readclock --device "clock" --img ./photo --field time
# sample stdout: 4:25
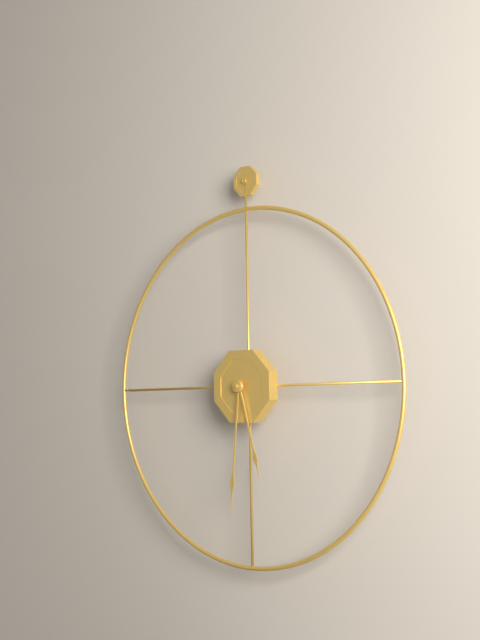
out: 5:31
